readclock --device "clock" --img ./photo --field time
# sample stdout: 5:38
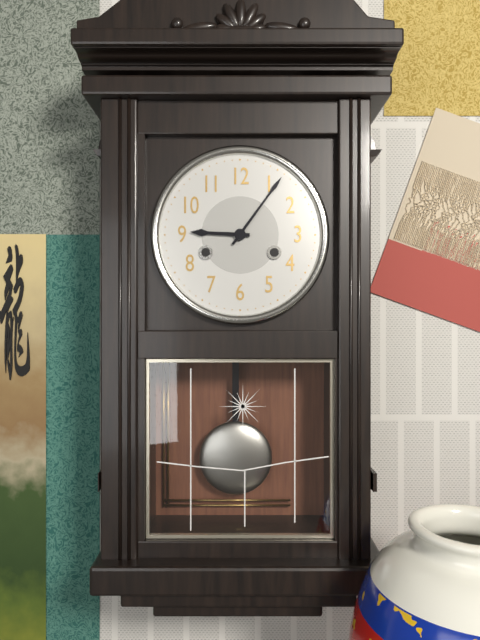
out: 9:06
